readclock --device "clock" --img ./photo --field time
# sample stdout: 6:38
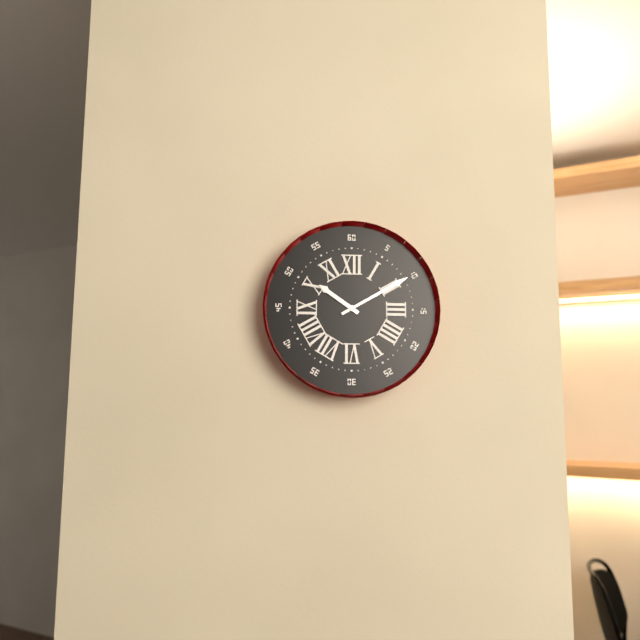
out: 10:10
